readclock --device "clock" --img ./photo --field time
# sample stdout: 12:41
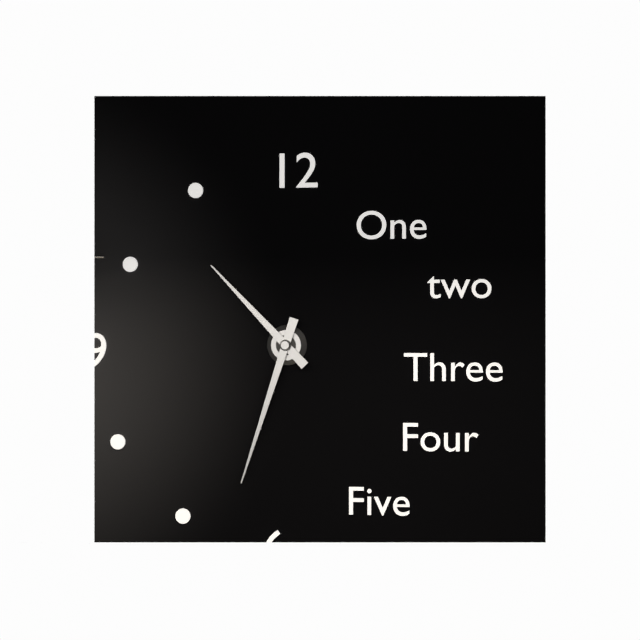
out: 10:33
